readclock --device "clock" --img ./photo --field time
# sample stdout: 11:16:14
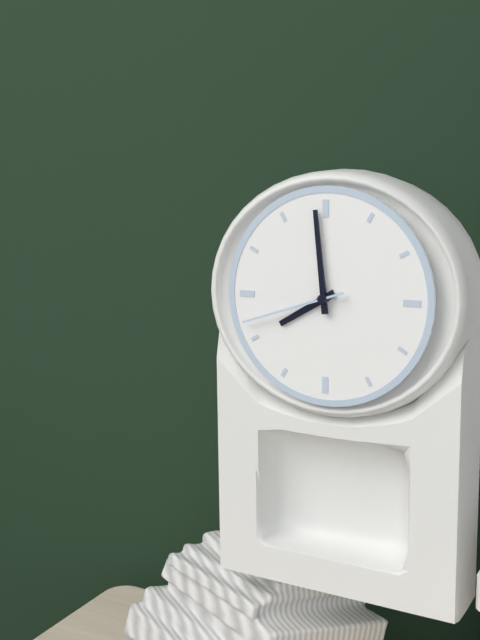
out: 7:59:42
